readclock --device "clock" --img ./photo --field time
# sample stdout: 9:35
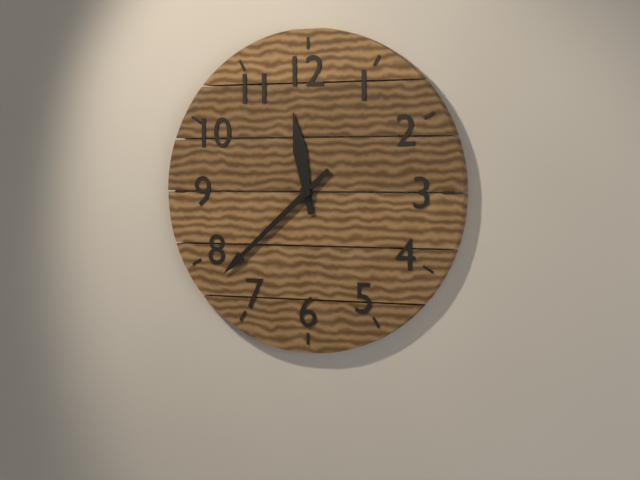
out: 11:38
